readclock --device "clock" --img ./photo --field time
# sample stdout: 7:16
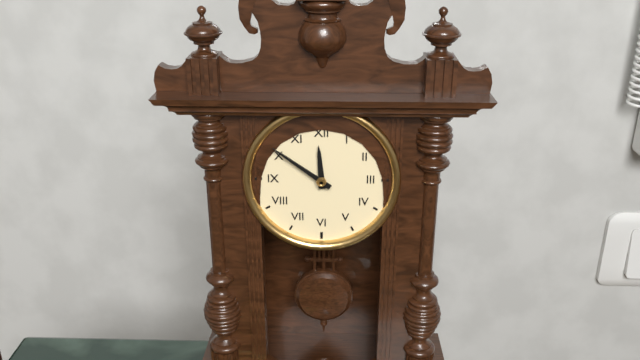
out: 11:51
